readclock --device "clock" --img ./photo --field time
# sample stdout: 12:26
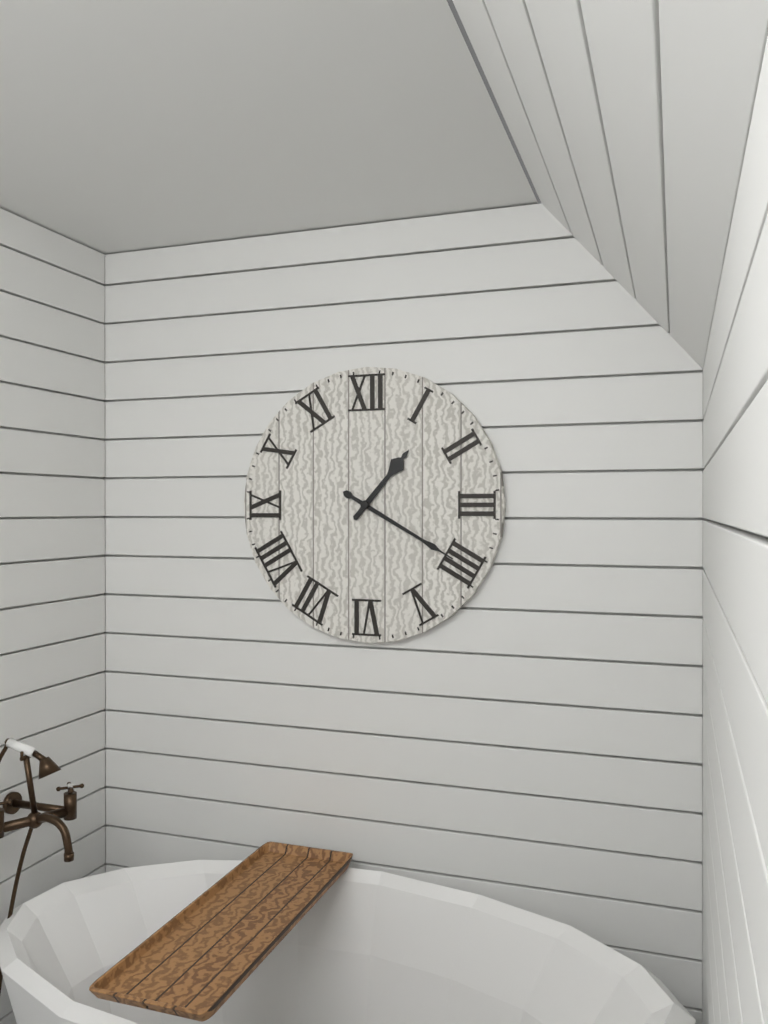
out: 1:20
